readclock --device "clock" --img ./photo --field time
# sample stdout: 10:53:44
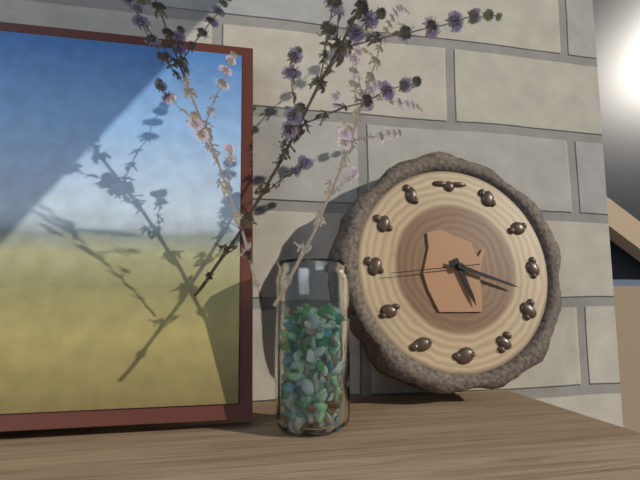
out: 5:18:44
